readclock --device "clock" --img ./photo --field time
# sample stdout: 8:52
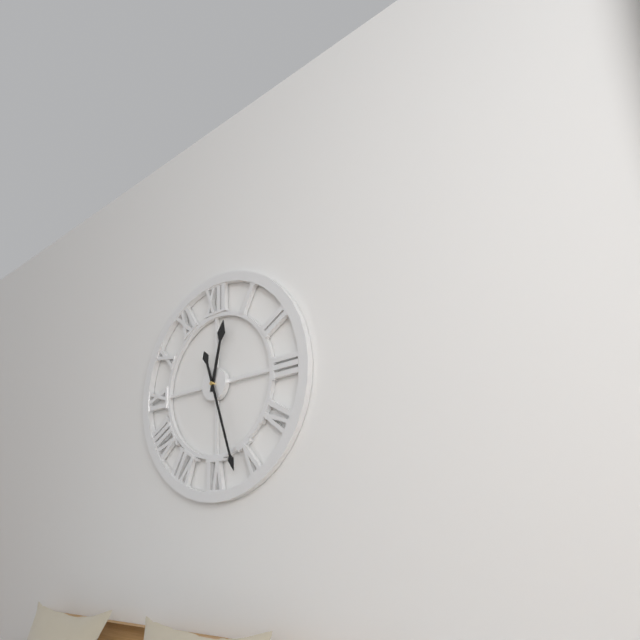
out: 12:27
